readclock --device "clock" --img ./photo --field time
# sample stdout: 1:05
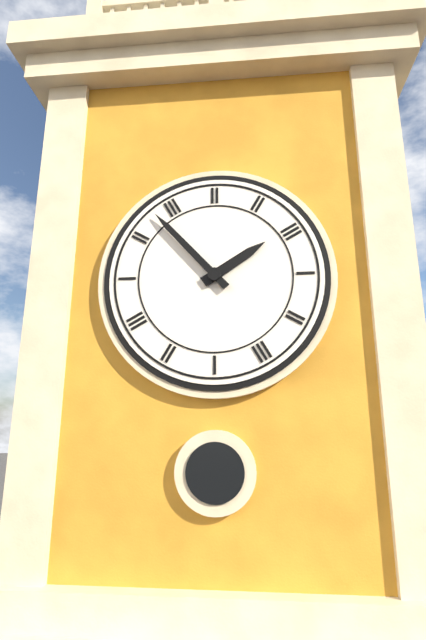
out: 1:53
